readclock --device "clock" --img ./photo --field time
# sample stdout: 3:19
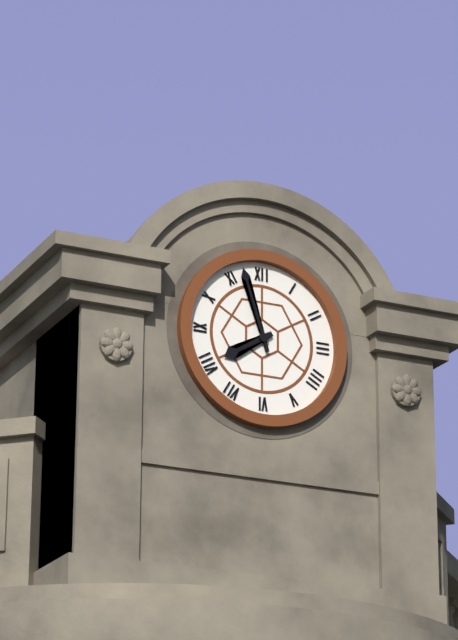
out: 7:57
